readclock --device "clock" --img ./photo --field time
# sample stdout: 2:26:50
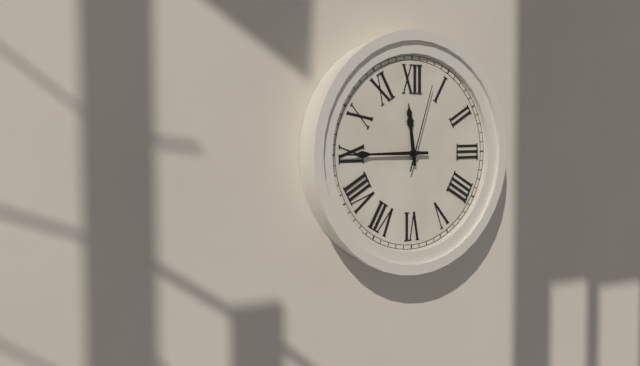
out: 11:45:03
